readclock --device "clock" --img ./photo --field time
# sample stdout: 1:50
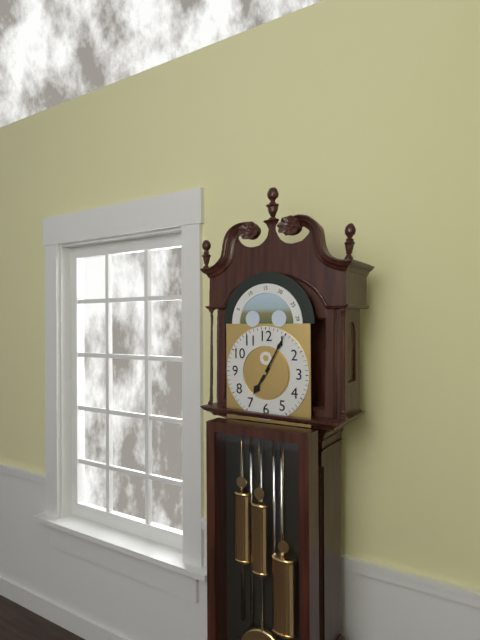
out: 7:05
